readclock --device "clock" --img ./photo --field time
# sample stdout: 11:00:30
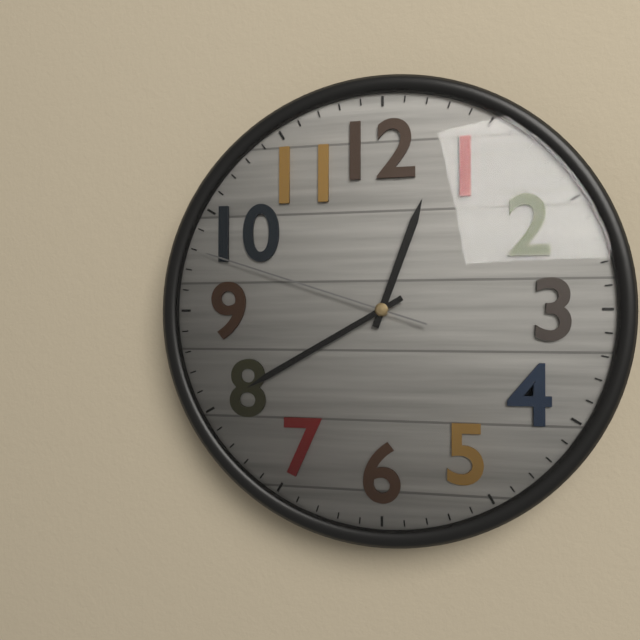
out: 12:40:48
